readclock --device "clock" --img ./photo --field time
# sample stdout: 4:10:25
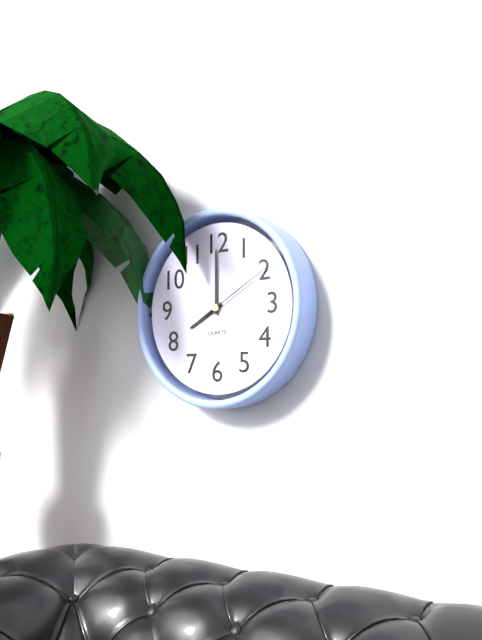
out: 8:00:10
